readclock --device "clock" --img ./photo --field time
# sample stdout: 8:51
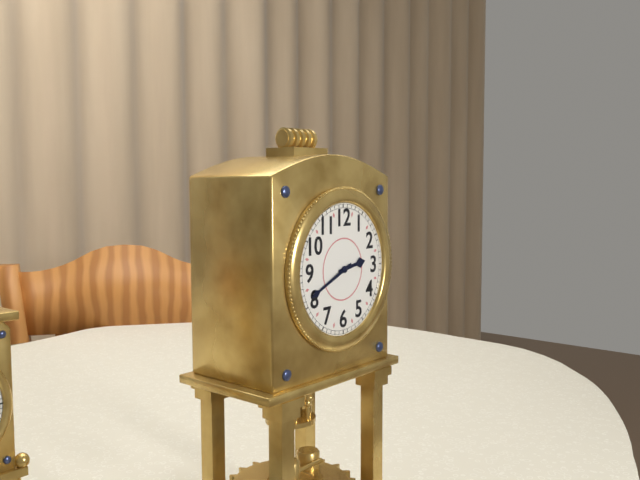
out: 2:41
